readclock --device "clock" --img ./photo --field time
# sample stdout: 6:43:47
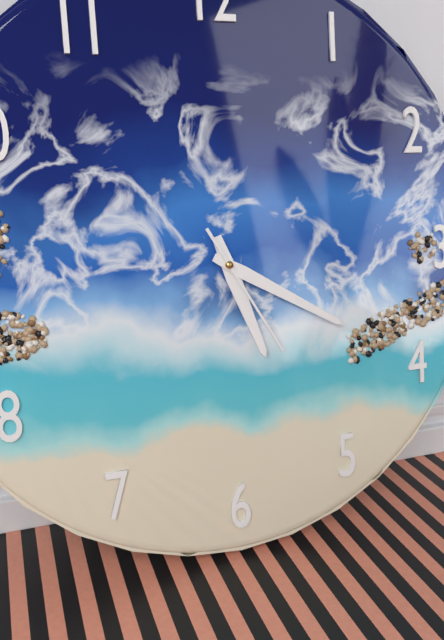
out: 5:20:25
